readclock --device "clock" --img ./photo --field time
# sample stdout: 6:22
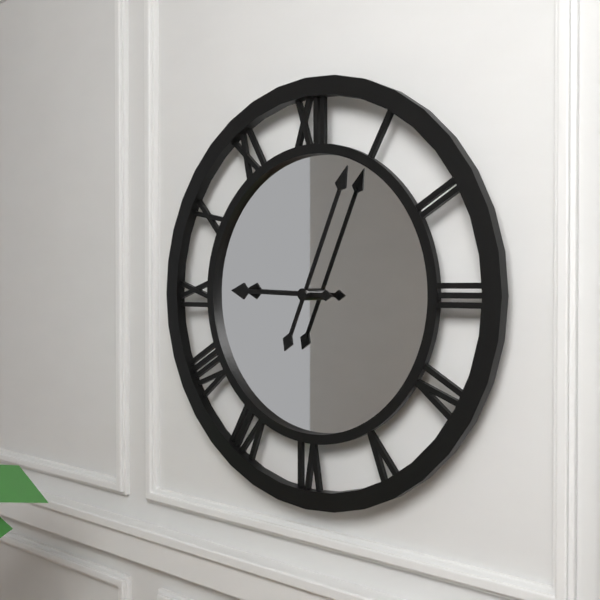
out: 9:04
